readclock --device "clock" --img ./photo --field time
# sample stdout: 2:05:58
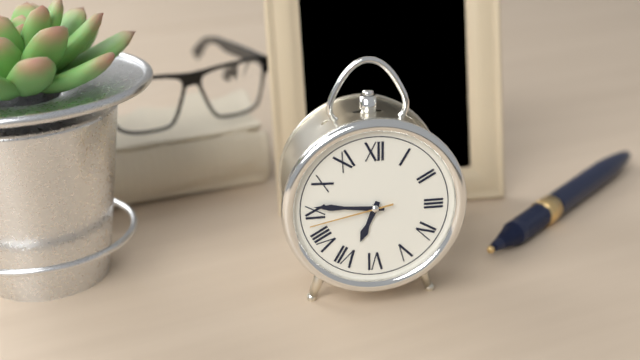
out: 6:46:43
